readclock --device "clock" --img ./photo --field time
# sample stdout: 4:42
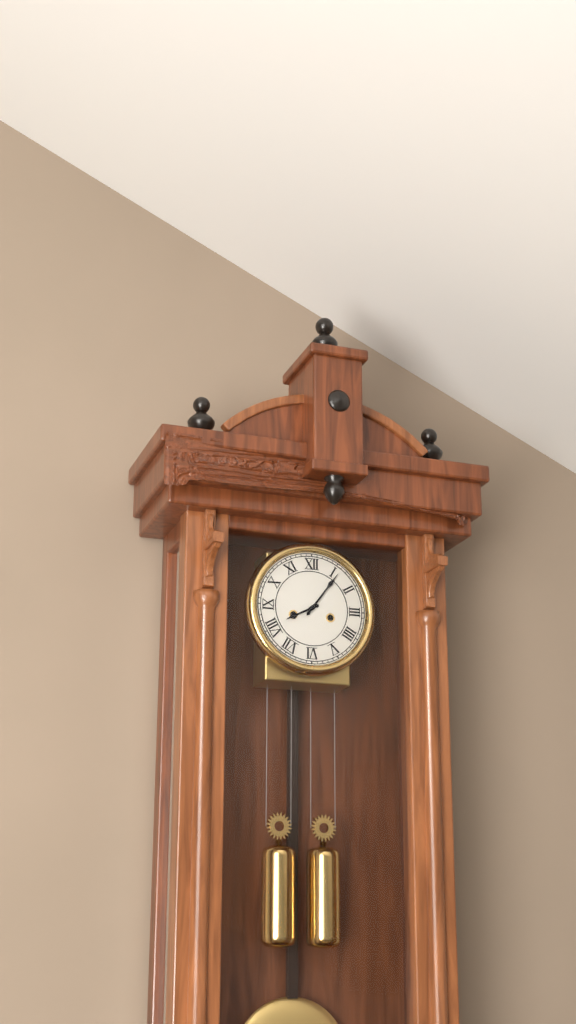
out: 8:06
